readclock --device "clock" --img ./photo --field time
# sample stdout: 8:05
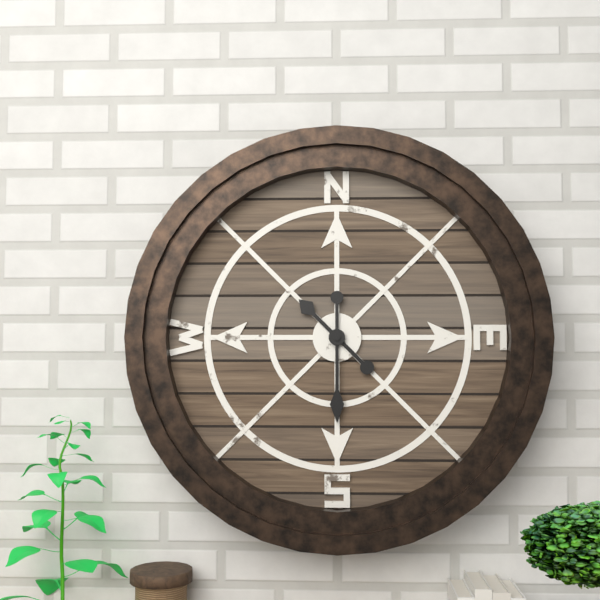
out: 10:30
